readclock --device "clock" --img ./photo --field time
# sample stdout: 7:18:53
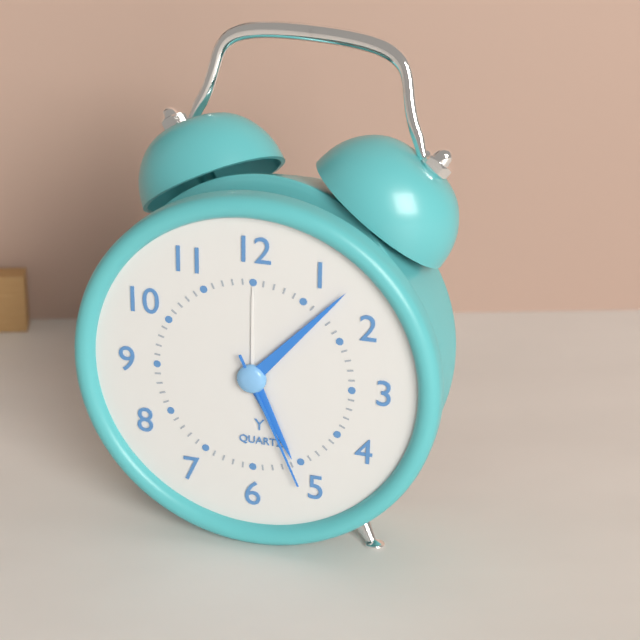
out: 5:07:26
